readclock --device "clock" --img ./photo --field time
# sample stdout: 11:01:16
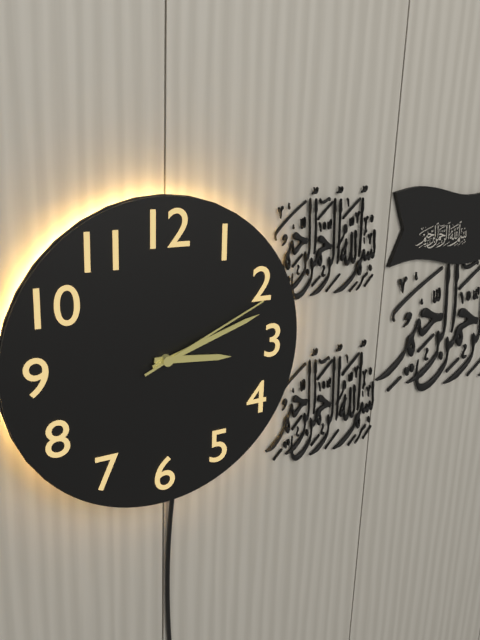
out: 3:12:11
